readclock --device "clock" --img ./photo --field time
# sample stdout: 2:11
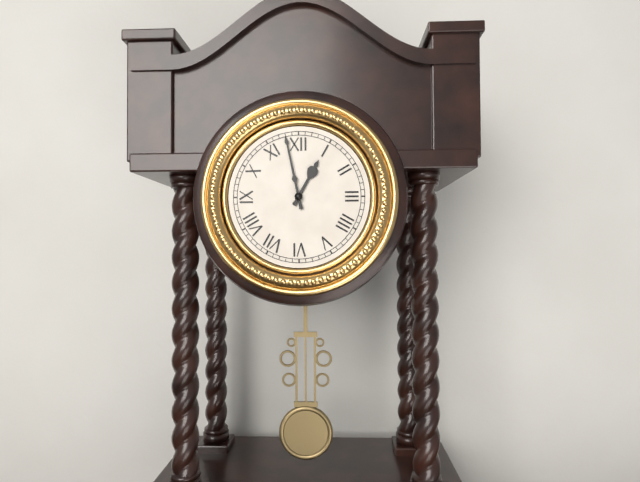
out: 12:58
